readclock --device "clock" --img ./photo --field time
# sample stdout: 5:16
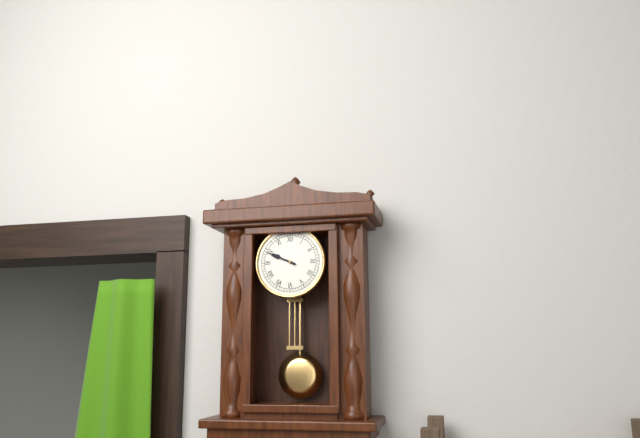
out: 9:49
